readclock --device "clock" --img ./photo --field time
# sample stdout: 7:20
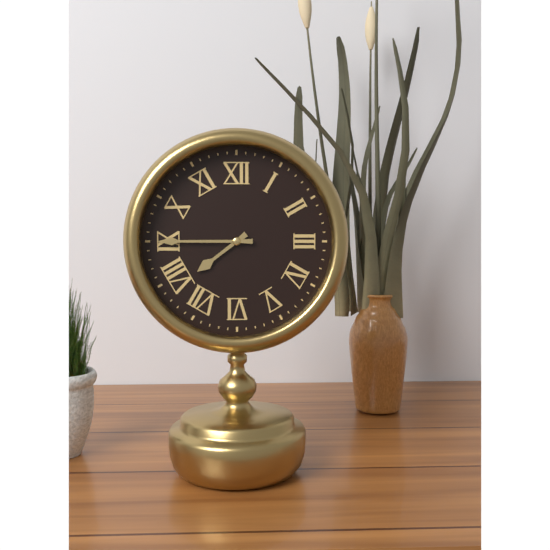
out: 7:45
